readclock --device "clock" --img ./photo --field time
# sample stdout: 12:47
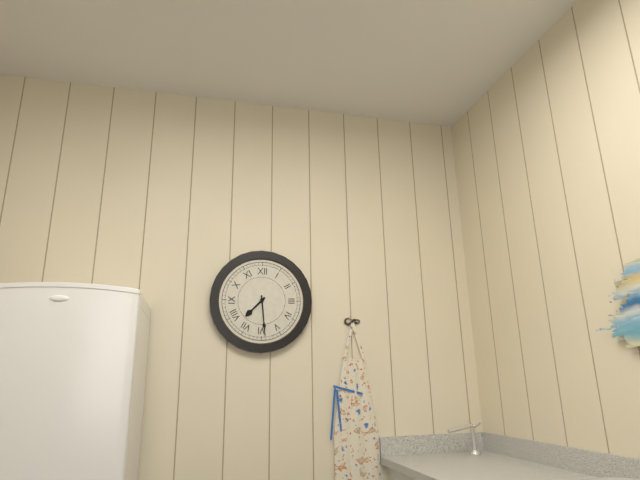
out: 7:29
